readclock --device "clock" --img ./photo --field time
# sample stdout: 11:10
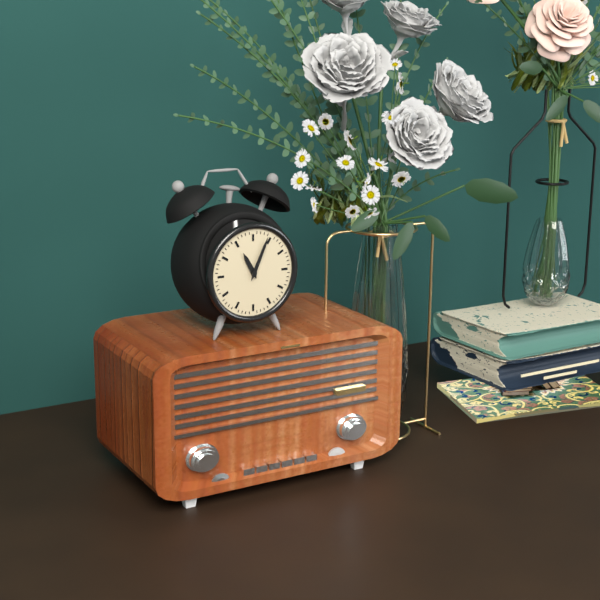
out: 11:04
